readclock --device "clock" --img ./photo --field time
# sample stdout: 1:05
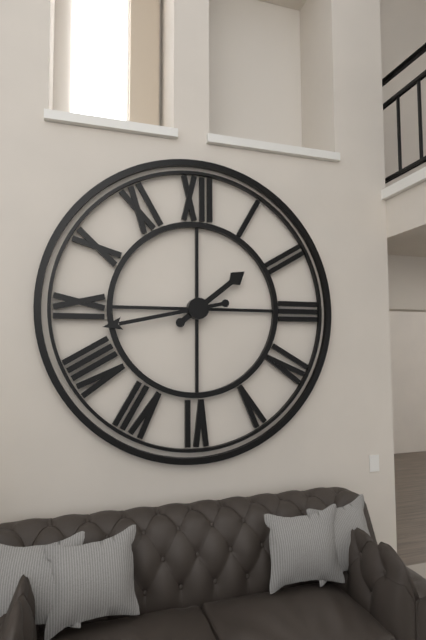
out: 1:43
